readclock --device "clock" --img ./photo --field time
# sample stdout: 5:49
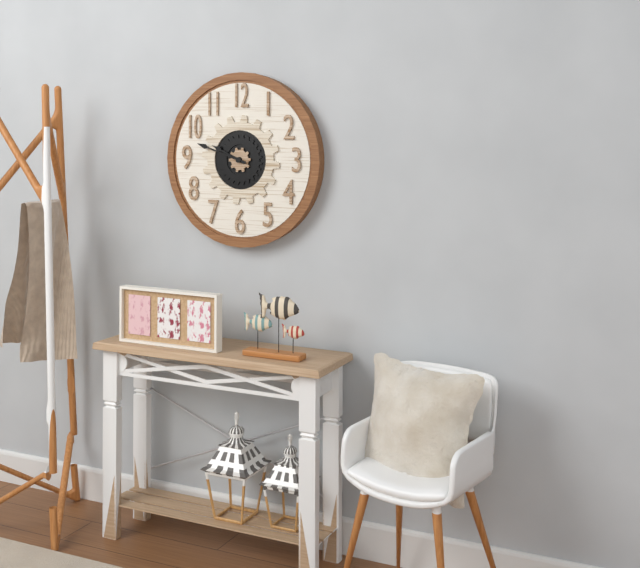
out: 9:48
